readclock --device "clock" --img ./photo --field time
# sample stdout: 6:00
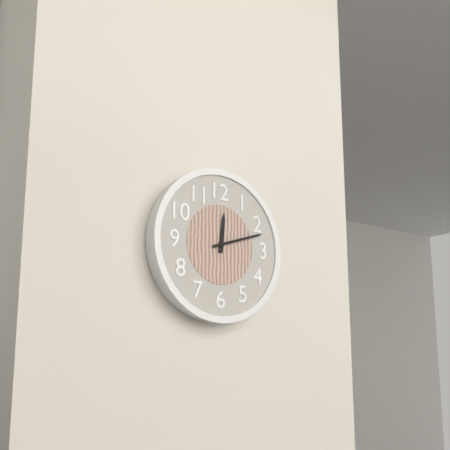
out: 12:12
